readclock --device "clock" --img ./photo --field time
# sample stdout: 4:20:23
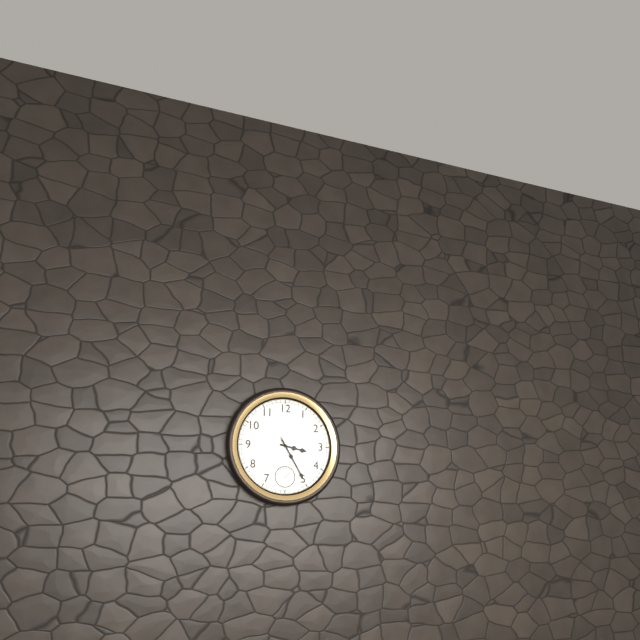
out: 3:25:25
